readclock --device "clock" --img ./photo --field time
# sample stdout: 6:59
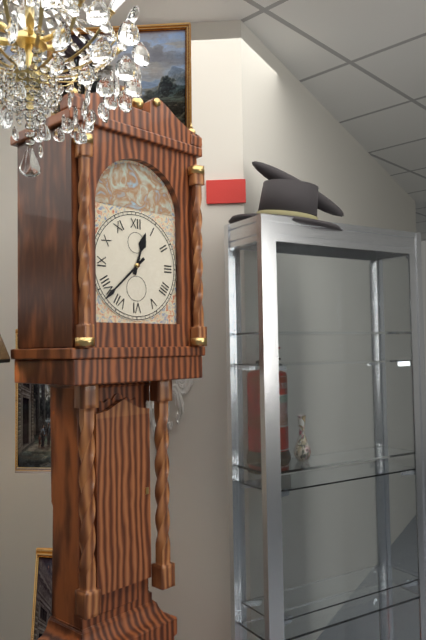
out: 12:38
